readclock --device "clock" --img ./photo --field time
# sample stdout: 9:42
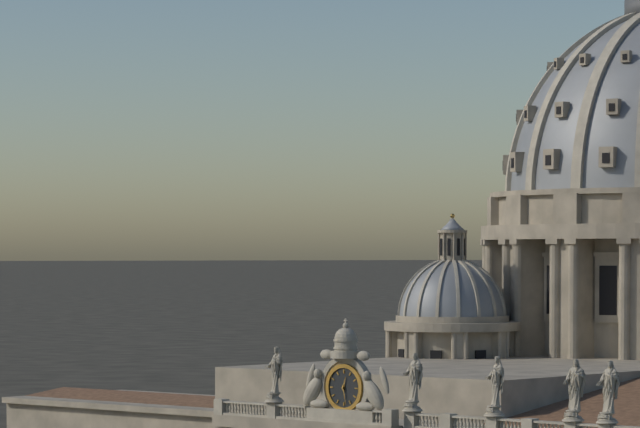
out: 12:28
